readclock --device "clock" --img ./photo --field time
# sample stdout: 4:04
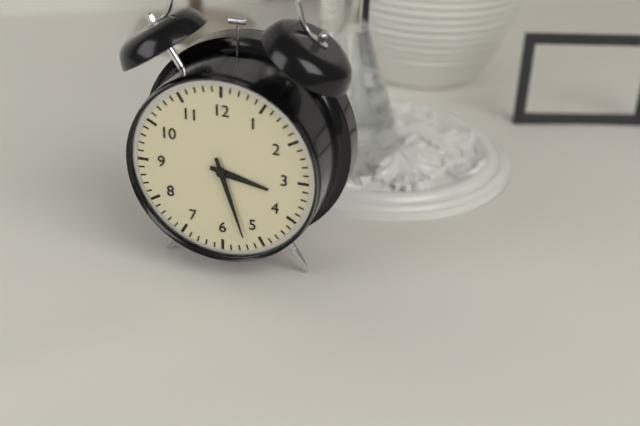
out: 3:27
